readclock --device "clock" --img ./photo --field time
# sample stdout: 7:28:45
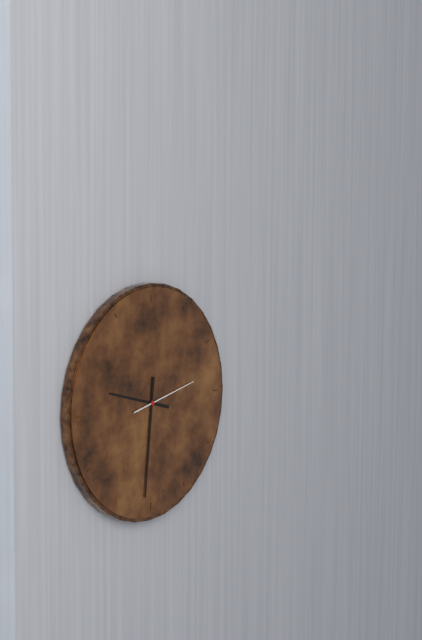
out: 9:31:13
